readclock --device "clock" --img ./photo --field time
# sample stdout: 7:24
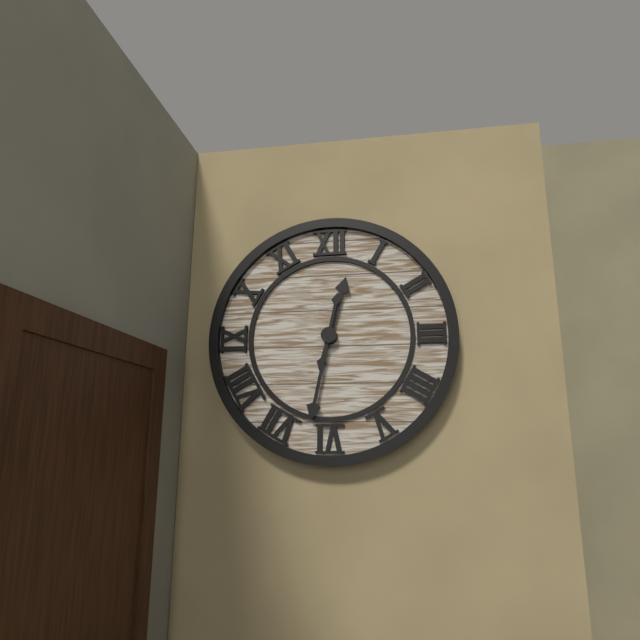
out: 12:32
